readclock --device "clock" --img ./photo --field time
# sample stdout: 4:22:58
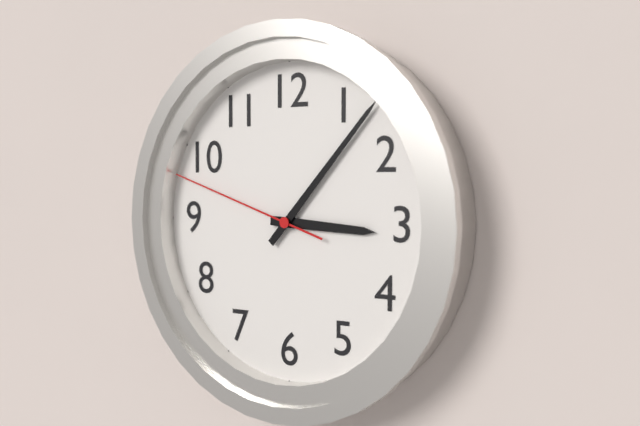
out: 3:07:48
